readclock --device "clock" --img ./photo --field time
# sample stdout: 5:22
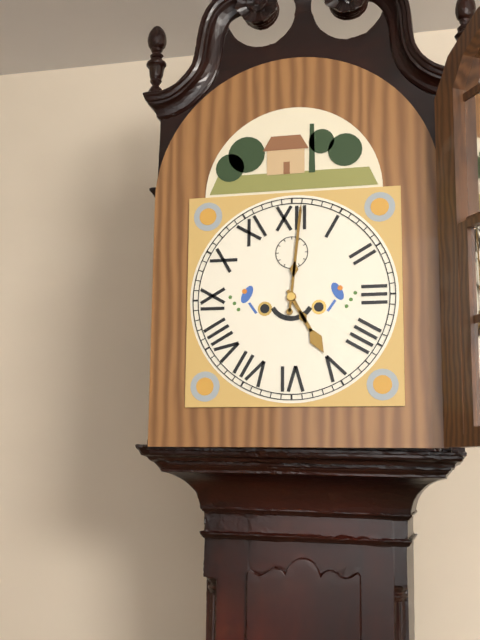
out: 5:01
